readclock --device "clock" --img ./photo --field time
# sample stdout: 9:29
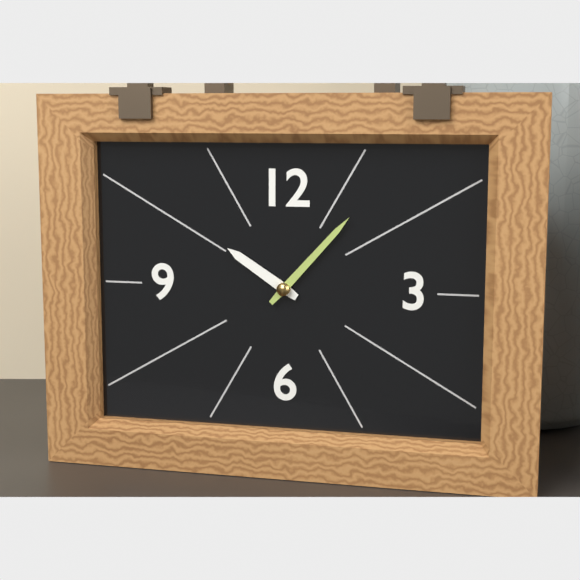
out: 10:07
